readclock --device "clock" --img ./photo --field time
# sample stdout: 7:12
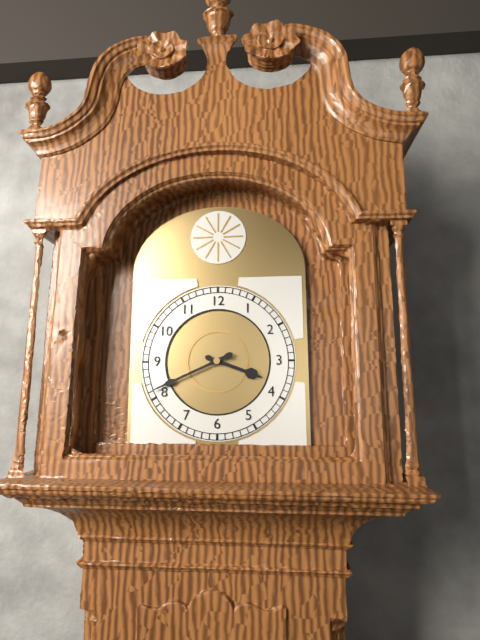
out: 3:41
